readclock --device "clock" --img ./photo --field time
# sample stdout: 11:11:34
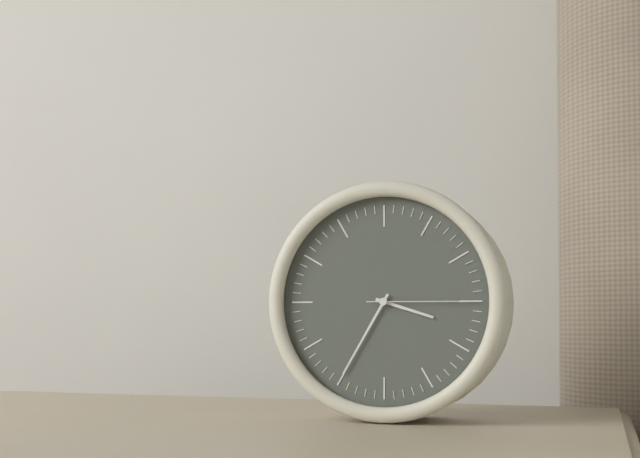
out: 3:35:15
